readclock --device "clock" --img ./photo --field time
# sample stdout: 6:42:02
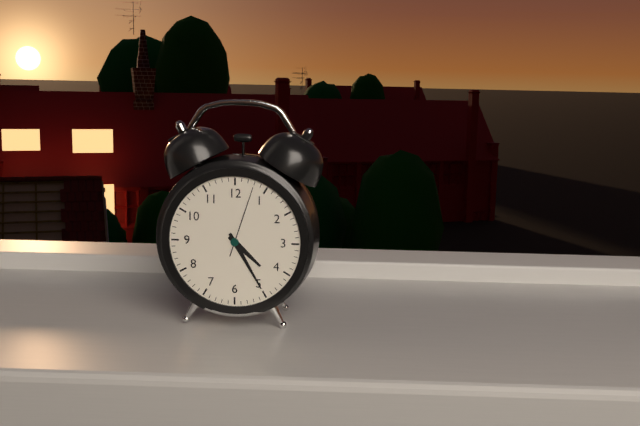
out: 4:25:03
